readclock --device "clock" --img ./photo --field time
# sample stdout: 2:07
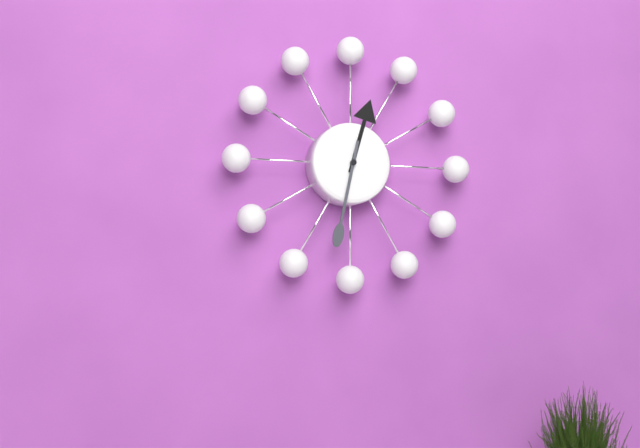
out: 12:32
